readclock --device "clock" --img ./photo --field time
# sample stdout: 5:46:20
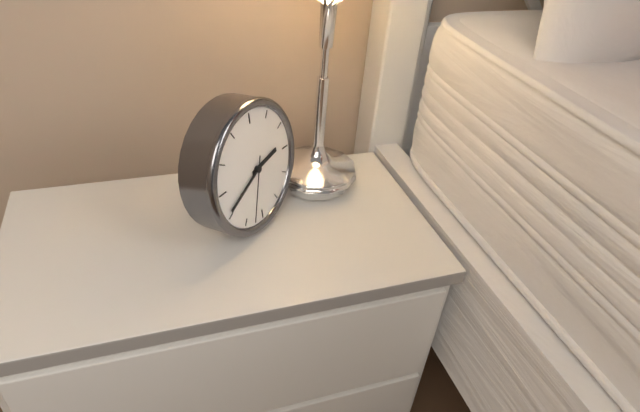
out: 2:41:33
